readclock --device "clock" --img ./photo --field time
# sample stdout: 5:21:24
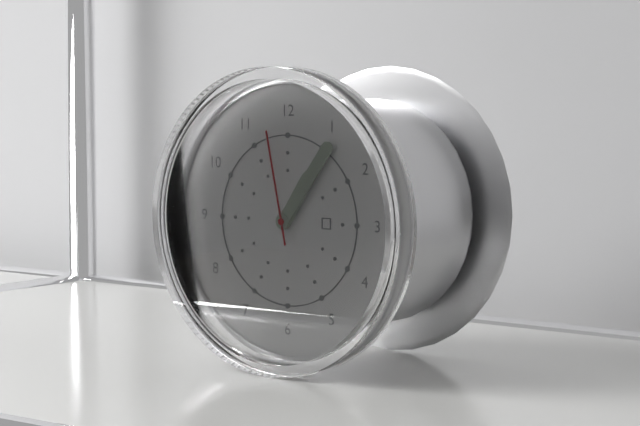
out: 1:06:58
